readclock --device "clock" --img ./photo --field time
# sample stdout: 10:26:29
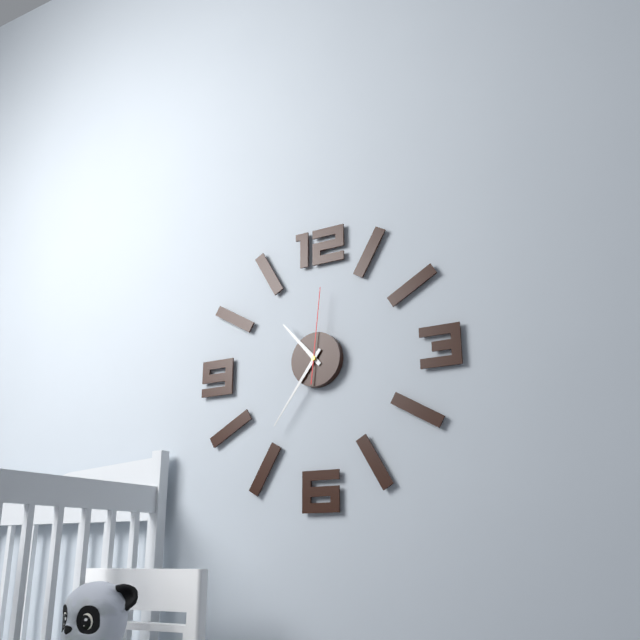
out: 10:36:01
